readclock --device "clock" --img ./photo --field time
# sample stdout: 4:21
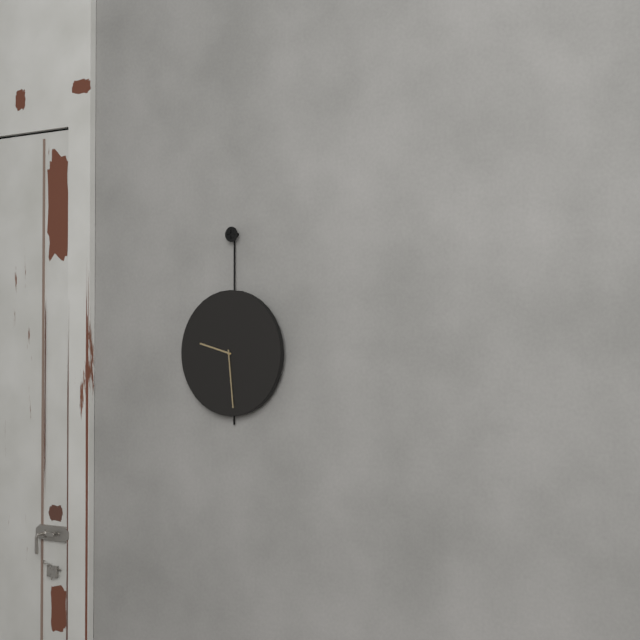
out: 9:29
